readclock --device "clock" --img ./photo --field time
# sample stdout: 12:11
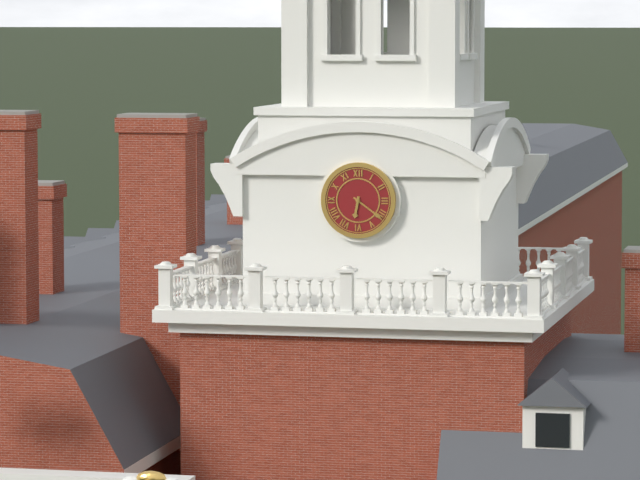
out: 6:21
